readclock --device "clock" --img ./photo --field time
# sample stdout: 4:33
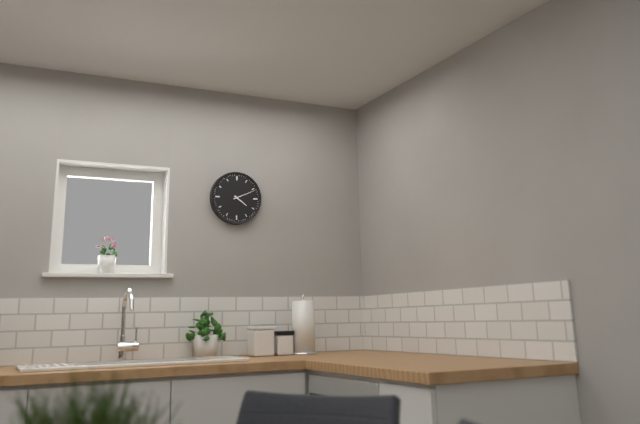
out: 4:11
